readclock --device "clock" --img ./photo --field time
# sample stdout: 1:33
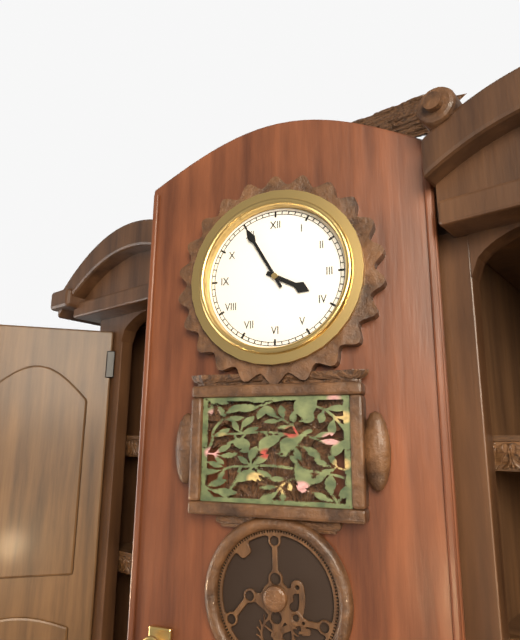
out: 3:55
